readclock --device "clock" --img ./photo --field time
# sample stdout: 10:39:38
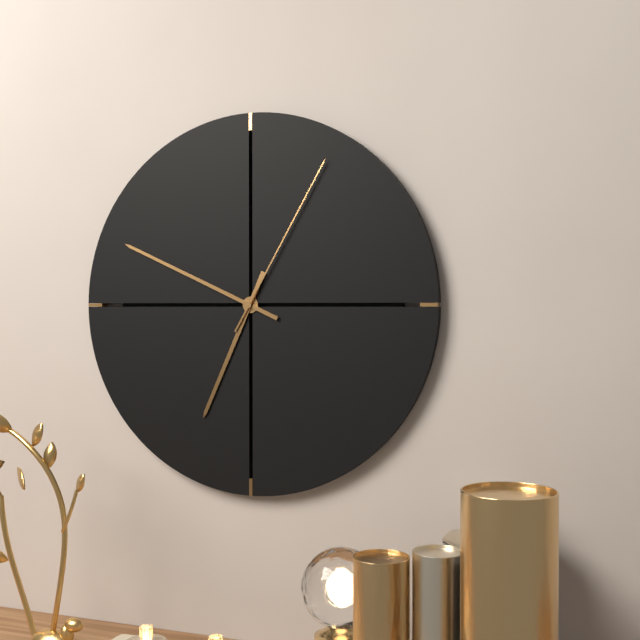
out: 6:49:05
